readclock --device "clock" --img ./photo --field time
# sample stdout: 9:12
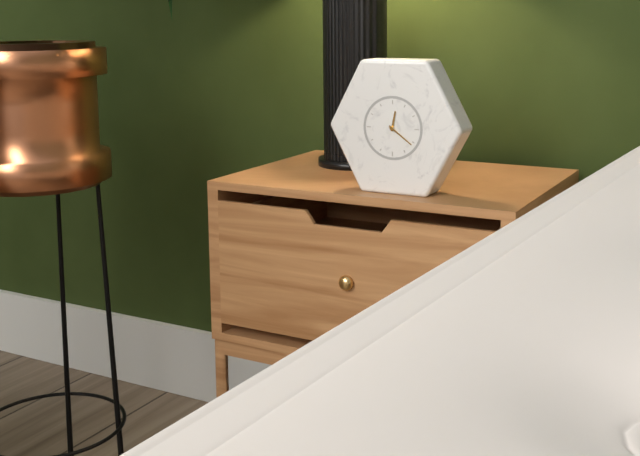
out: 12:21
